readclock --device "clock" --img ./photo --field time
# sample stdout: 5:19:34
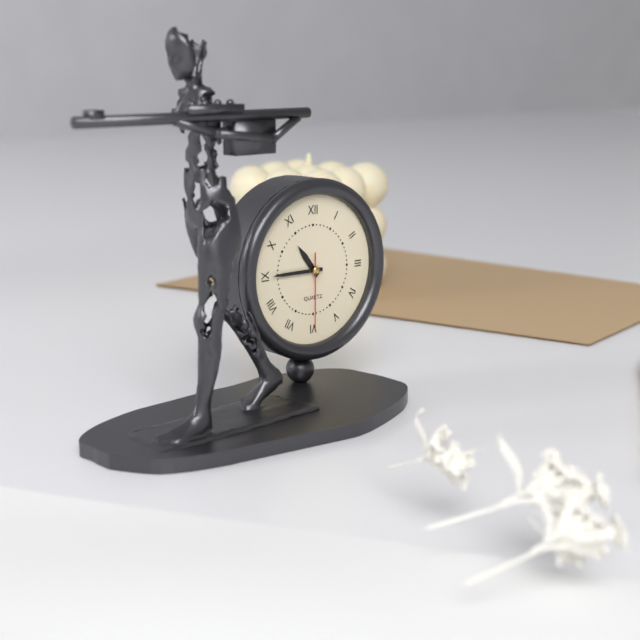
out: 10:45:30
